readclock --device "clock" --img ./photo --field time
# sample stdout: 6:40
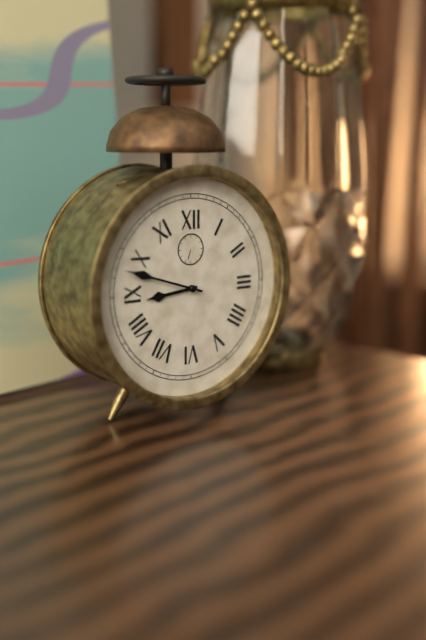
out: 8:48
